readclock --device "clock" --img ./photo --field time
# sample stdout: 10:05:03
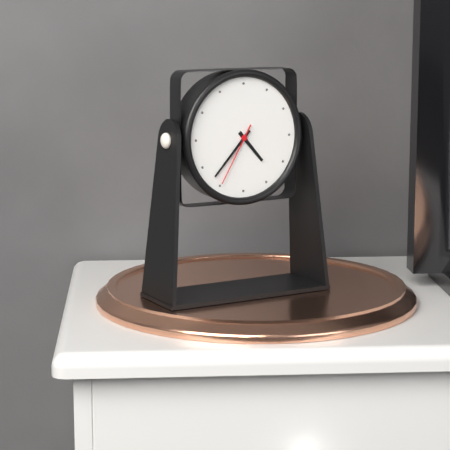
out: 4:37:35
